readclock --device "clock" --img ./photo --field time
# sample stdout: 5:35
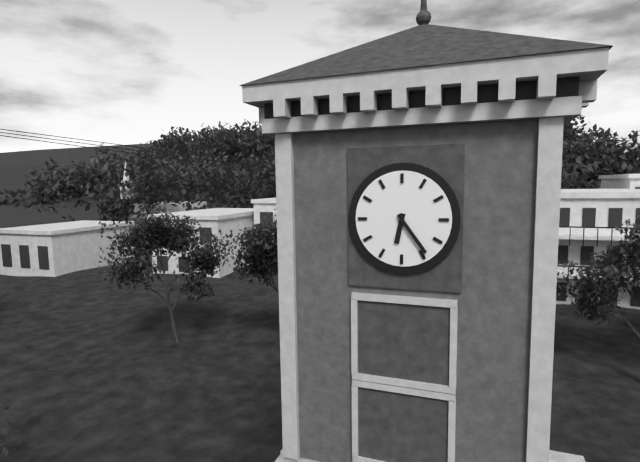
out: 6:24
